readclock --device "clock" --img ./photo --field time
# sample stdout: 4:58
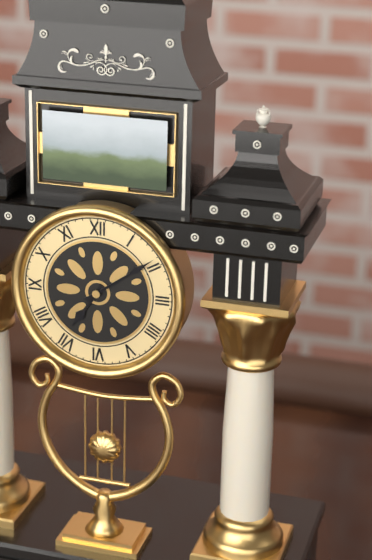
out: 7:09
